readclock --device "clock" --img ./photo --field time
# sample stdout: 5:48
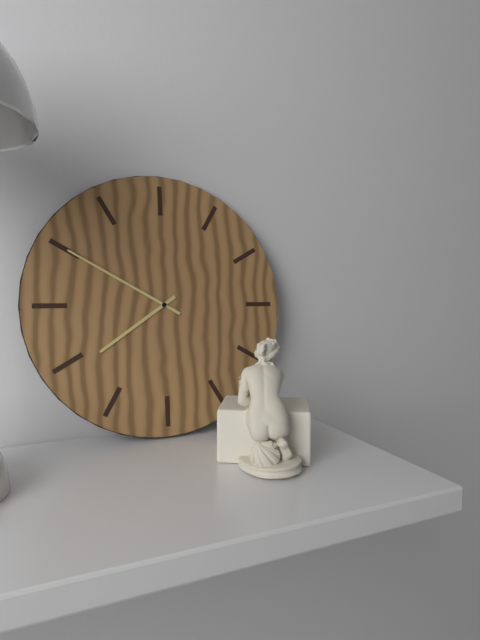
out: 7:50
